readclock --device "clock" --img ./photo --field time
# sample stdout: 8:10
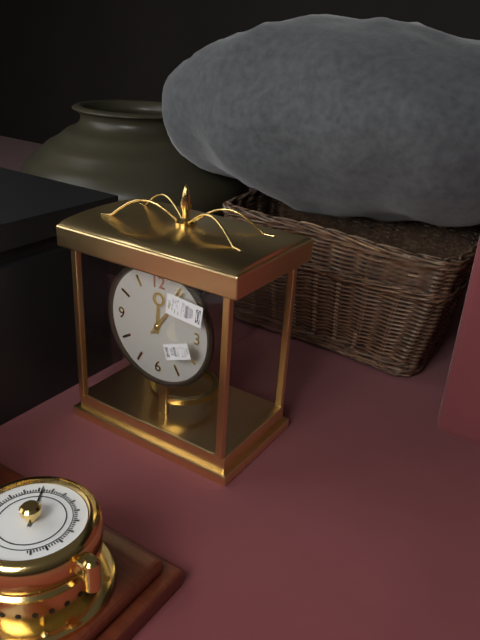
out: 12:06
